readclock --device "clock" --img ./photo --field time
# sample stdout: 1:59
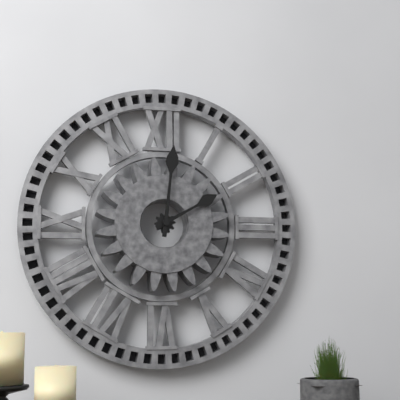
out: 2:01
